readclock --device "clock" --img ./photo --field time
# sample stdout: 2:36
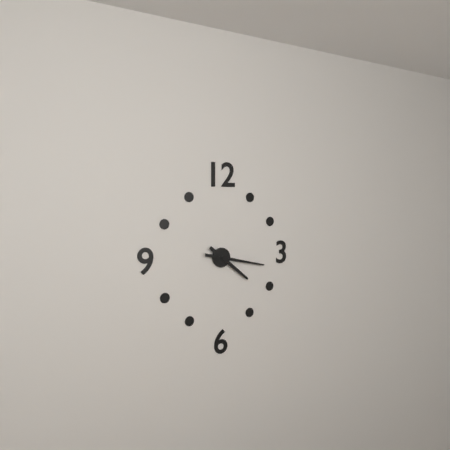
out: 4:17
